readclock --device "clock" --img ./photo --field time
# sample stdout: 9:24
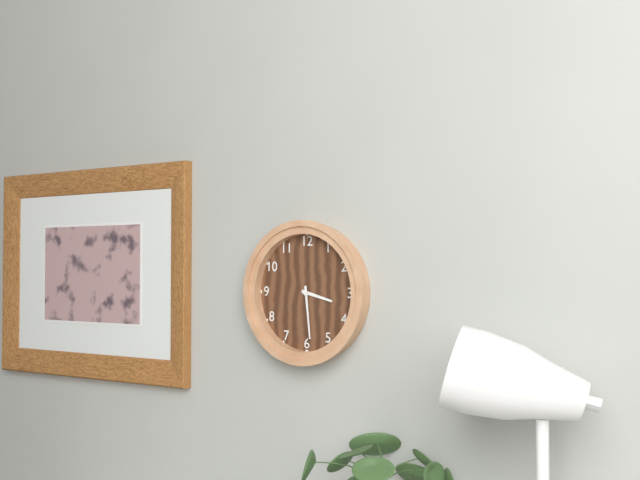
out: 3:29
